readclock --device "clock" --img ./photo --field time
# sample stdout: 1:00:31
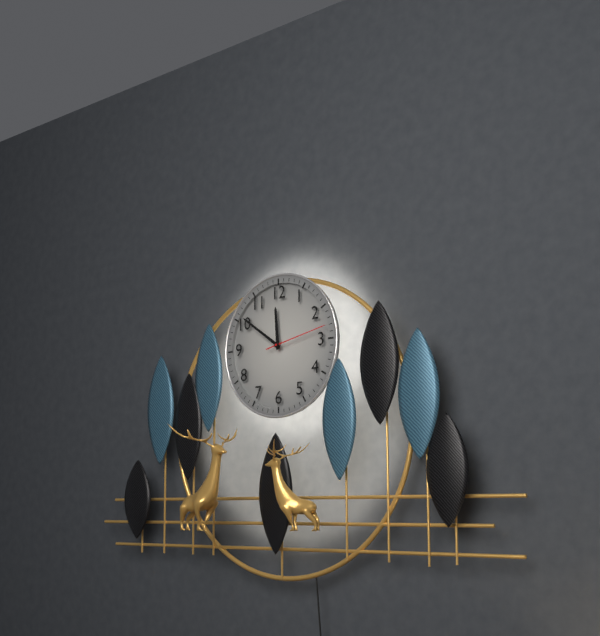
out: 11:51:13
